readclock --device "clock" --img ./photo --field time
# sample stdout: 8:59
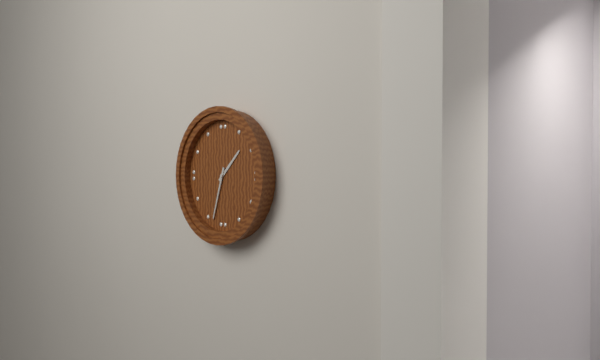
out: 1:33
